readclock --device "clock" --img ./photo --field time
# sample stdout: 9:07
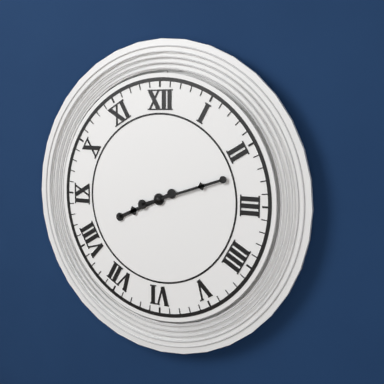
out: 8:12
